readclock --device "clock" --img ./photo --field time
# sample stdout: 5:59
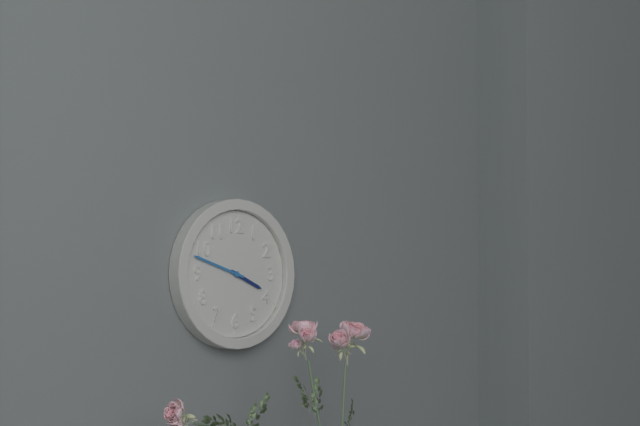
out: 3:48
